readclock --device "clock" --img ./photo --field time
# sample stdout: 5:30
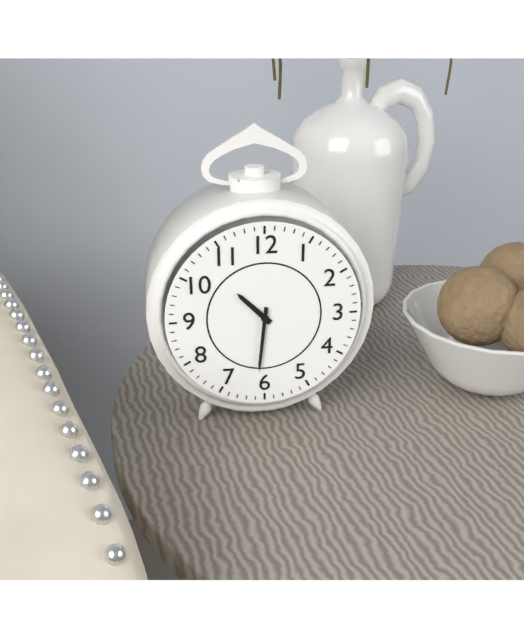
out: 10:31
